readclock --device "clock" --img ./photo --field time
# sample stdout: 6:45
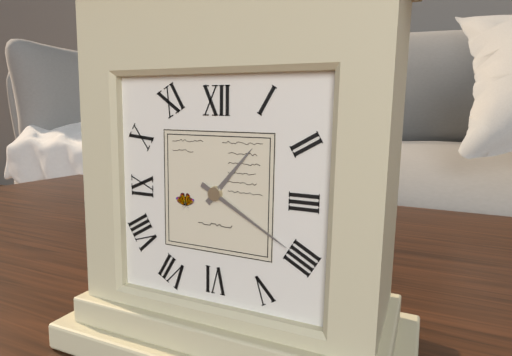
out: 1:20
